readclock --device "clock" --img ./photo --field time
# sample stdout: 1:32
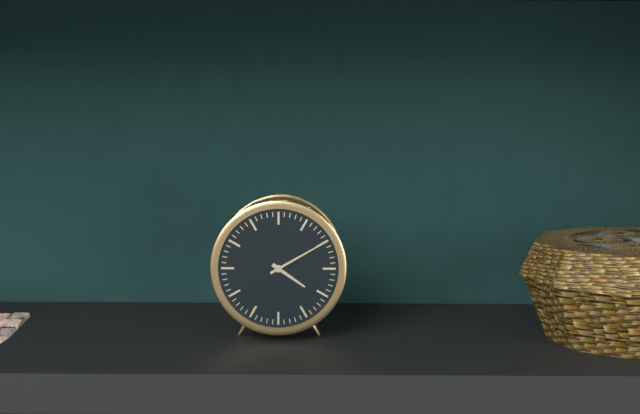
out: 4:10
